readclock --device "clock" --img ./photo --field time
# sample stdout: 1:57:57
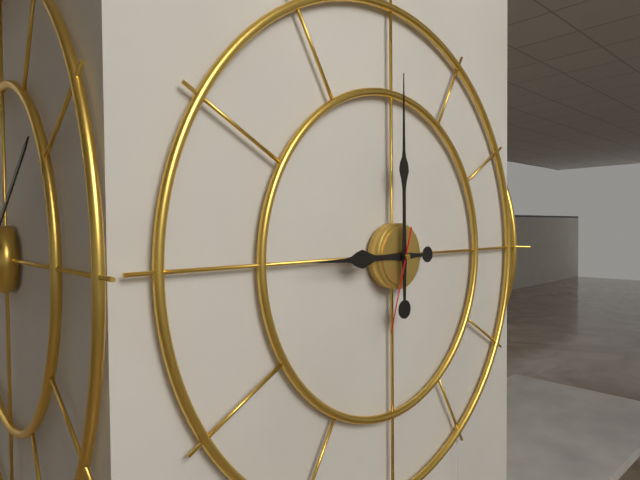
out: 9:00:33
